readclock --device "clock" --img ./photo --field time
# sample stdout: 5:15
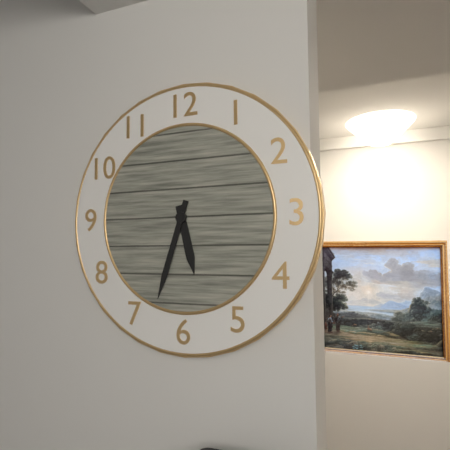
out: 5:33
